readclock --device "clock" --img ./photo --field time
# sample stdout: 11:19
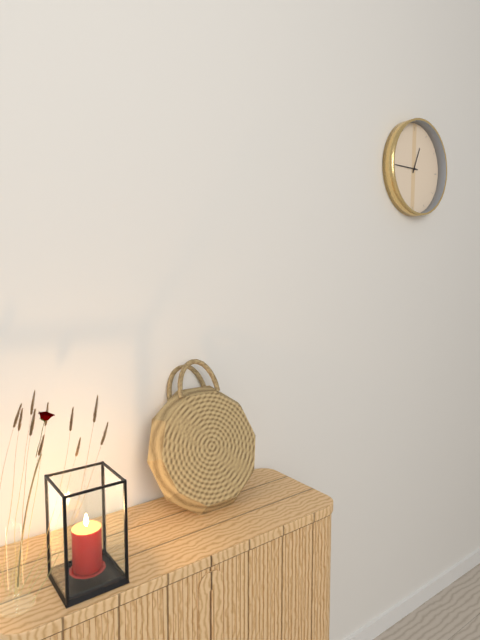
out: 12:45
